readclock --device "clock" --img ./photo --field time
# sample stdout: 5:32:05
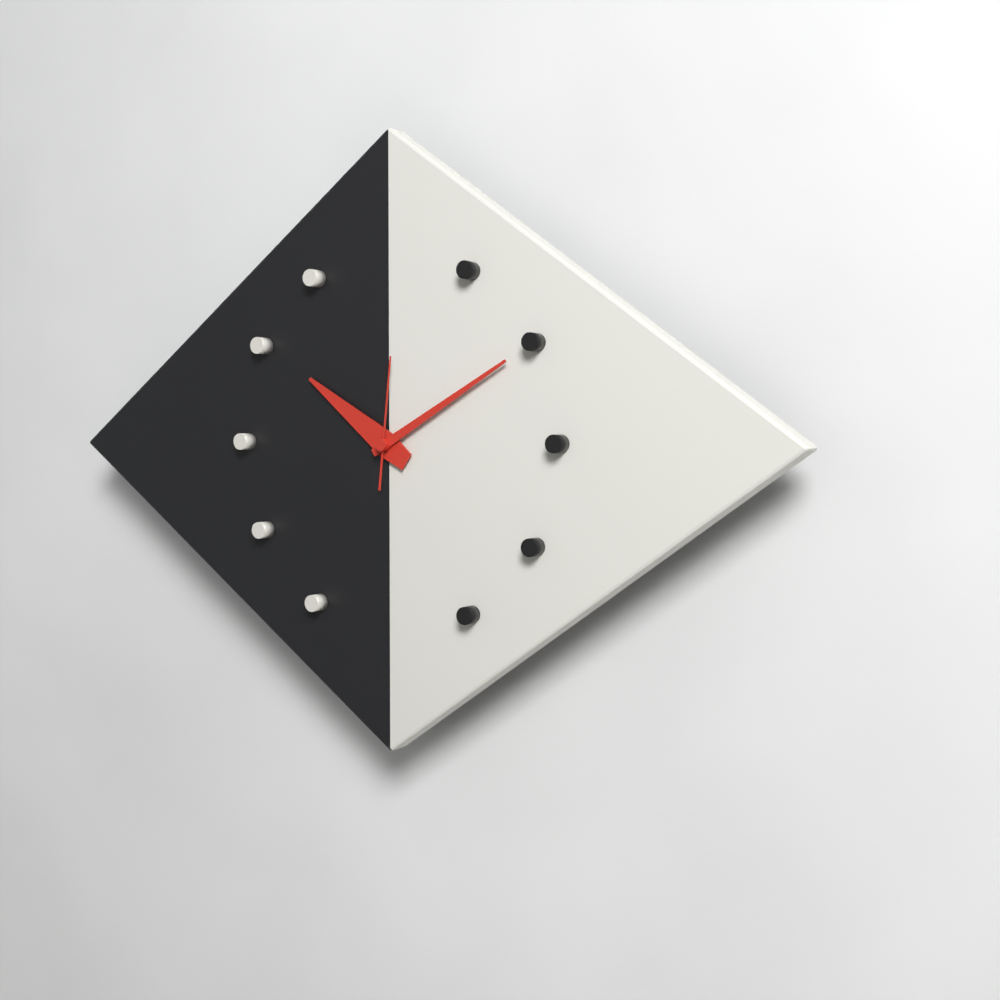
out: 10:10:01
